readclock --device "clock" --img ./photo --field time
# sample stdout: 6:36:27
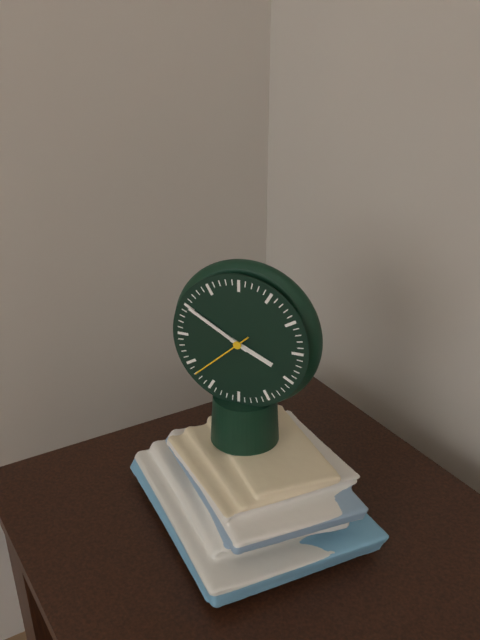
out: 3:50:38
